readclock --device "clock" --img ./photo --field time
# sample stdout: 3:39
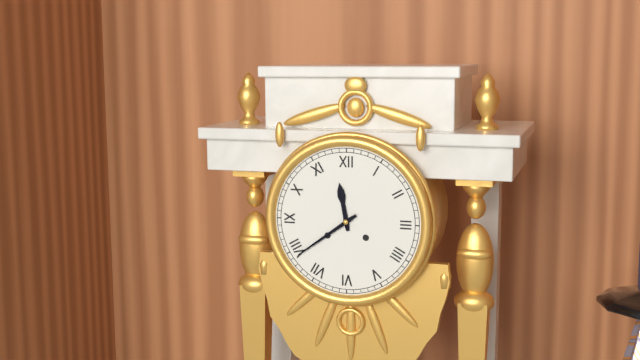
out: 11:39
